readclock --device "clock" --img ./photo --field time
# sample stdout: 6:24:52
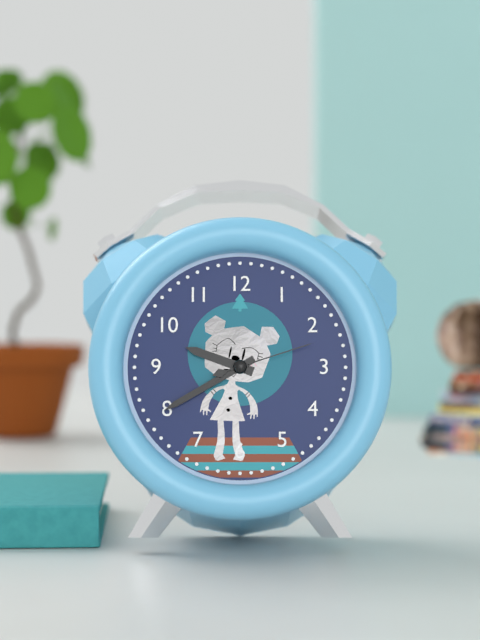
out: 9:40:12
